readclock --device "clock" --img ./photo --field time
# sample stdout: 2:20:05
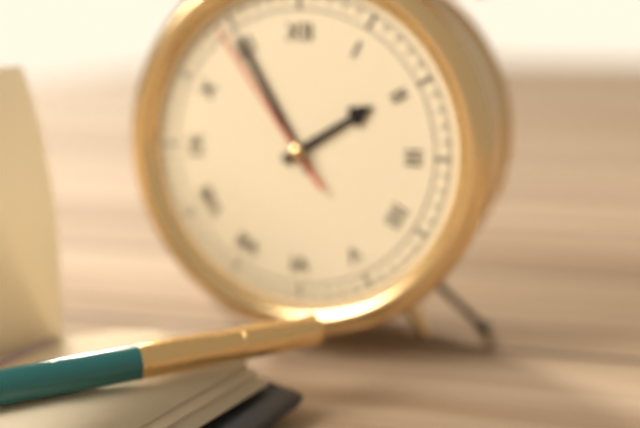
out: 1:55:54
